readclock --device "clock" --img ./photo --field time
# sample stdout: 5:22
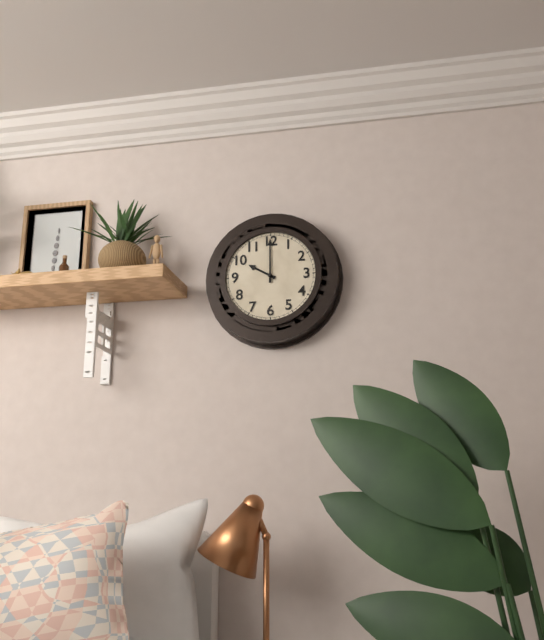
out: 10:00
